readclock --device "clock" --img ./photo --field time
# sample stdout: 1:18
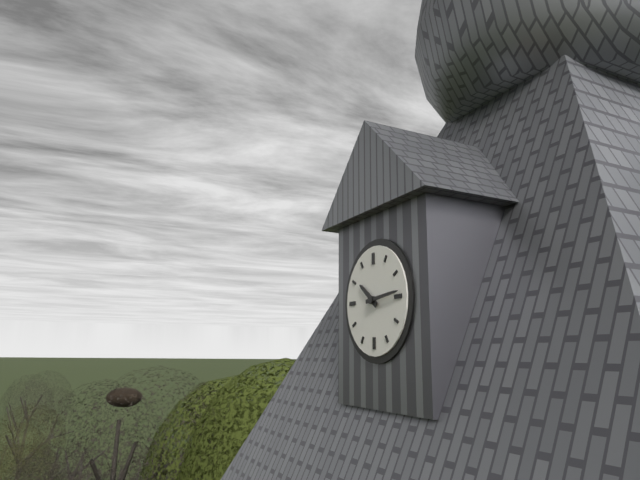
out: 10:14
